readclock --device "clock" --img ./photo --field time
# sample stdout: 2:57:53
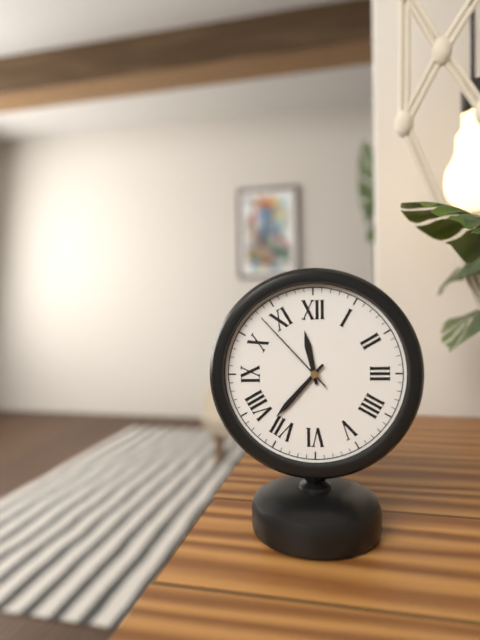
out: 11:37:53
